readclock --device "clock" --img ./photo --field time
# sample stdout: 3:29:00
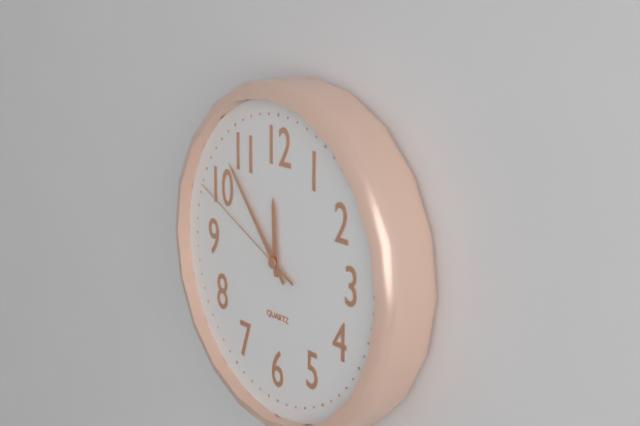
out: 11:53:49
